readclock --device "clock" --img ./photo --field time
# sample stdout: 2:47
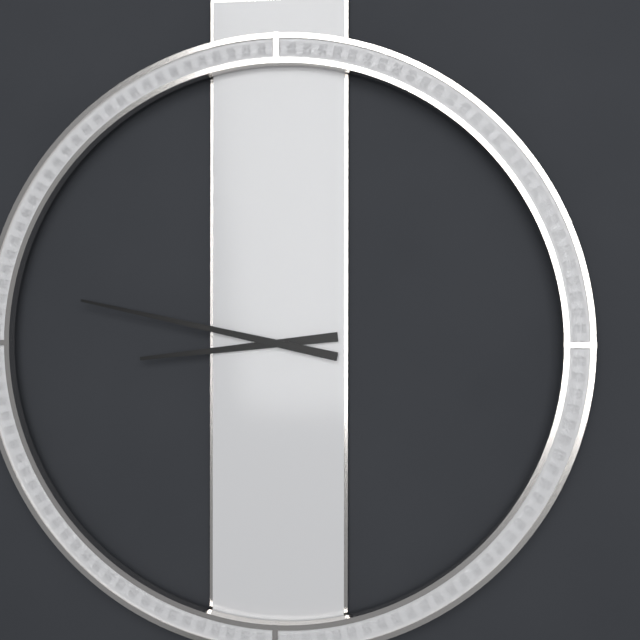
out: 8:47
